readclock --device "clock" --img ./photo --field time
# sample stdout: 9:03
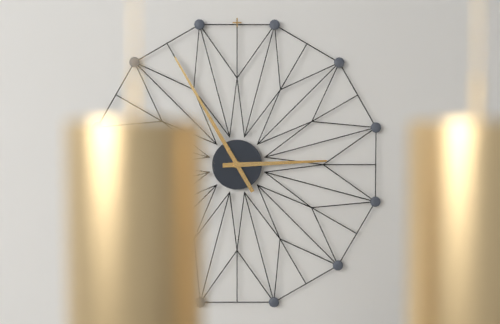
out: 2:55
